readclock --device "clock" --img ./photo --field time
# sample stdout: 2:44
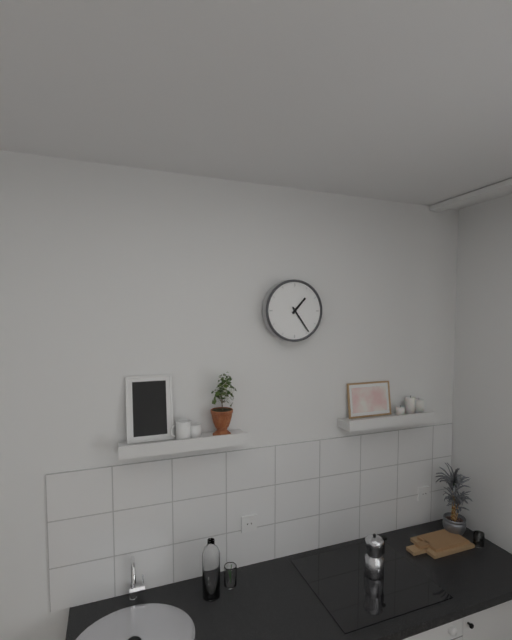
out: 1:24
